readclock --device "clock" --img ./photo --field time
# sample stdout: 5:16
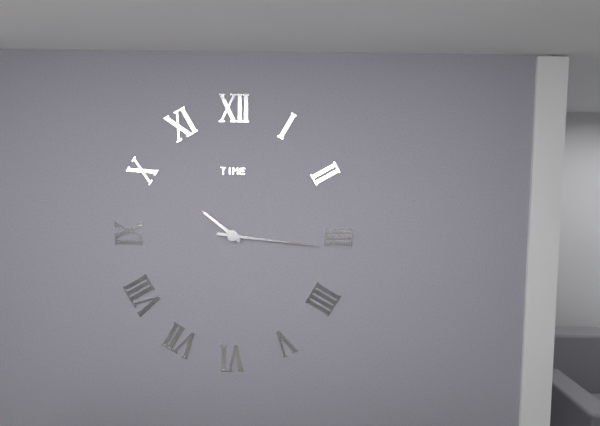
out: 10:16
